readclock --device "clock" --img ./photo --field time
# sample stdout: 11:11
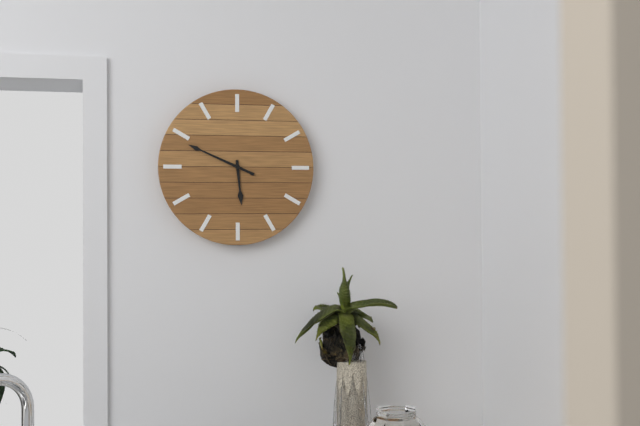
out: 5:49
